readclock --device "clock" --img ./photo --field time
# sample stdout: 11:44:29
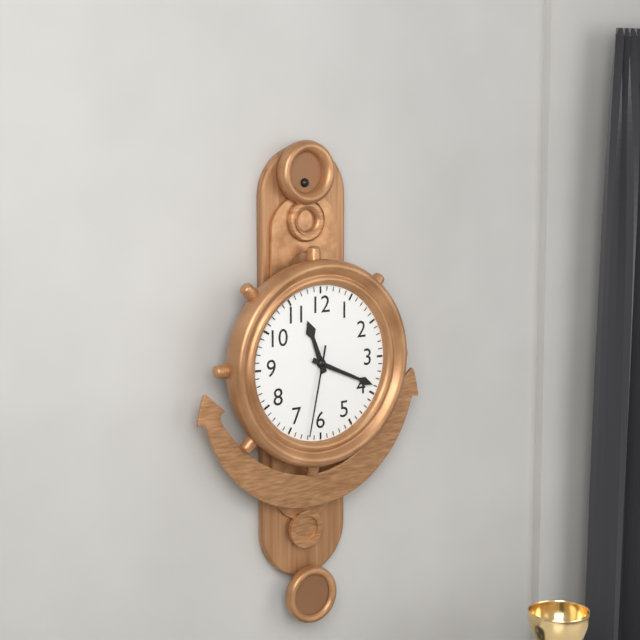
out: 11:19:32
